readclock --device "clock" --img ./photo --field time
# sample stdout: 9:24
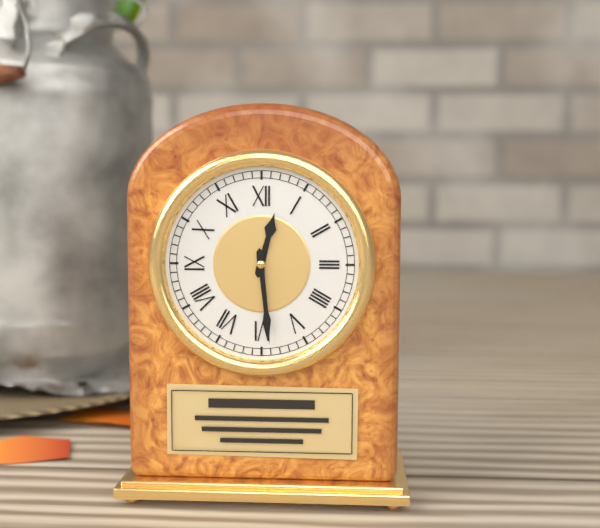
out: 12:29
